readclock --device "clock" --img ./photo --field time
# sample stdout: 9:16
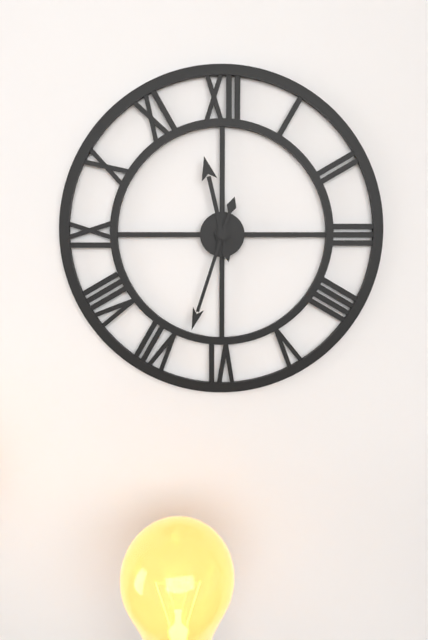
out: 11:33
